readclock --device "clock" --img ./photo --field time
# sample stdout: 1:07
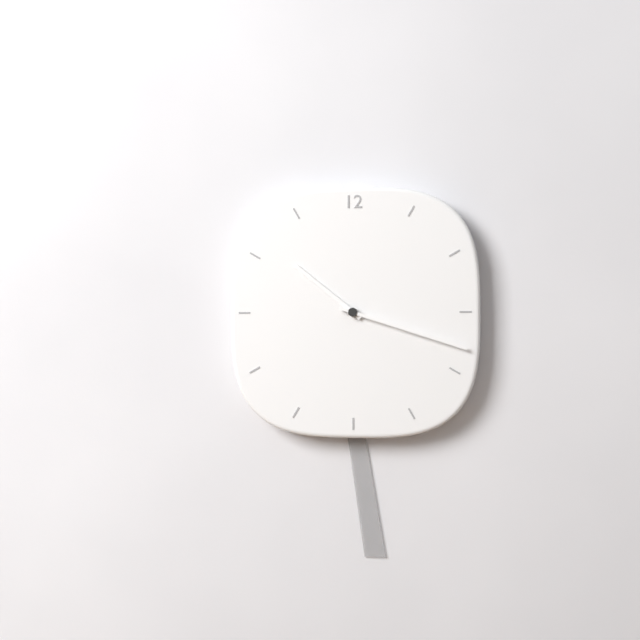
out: 10:18
